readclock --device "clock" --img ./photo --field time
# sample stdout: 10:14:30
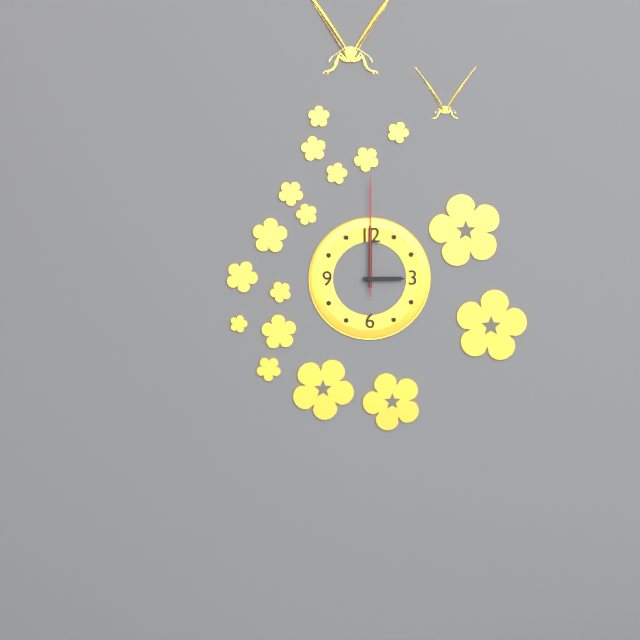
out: 3:00:00
